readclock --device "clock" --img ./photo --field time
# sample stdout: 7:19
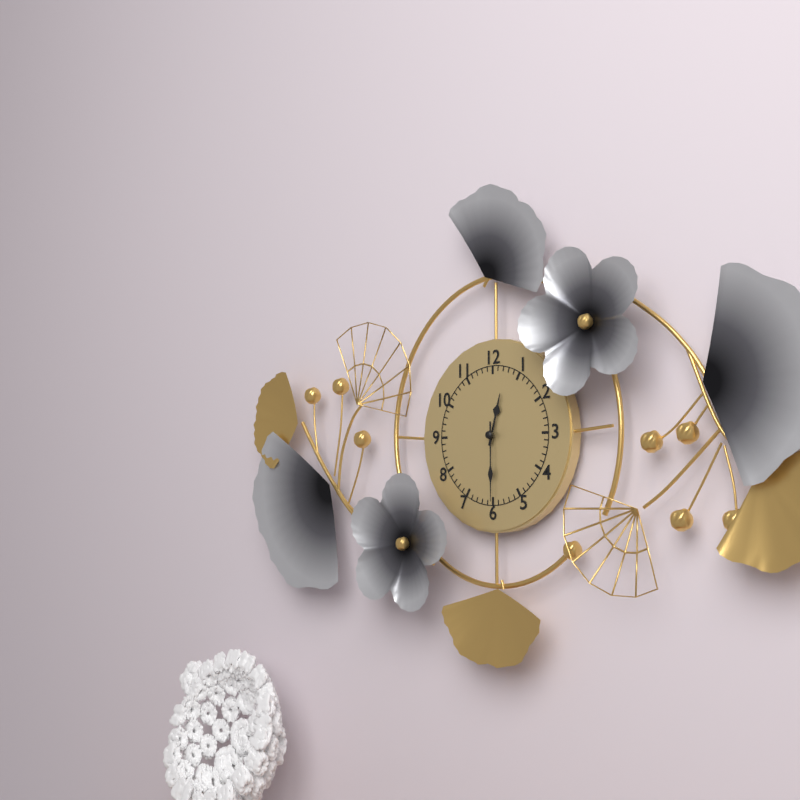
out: 12:30
